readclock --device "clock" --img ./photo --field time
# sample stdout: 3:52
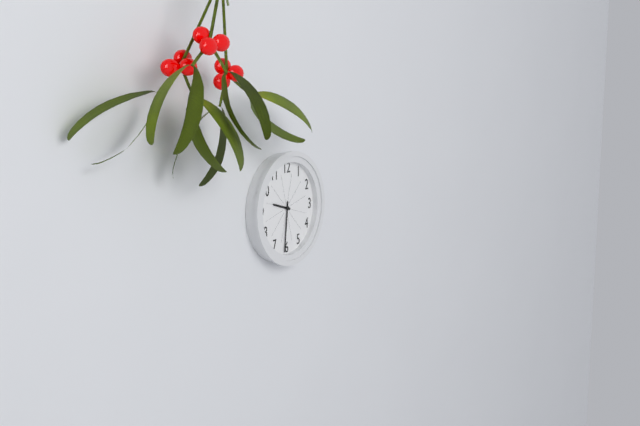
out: 9:31
